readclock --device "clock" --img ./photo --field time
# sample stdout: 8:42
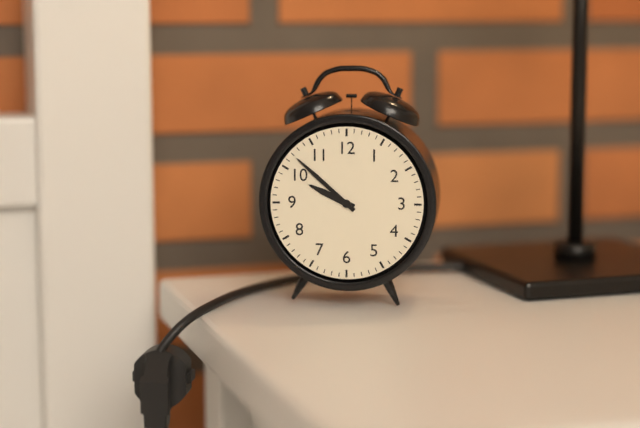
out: 9:52
